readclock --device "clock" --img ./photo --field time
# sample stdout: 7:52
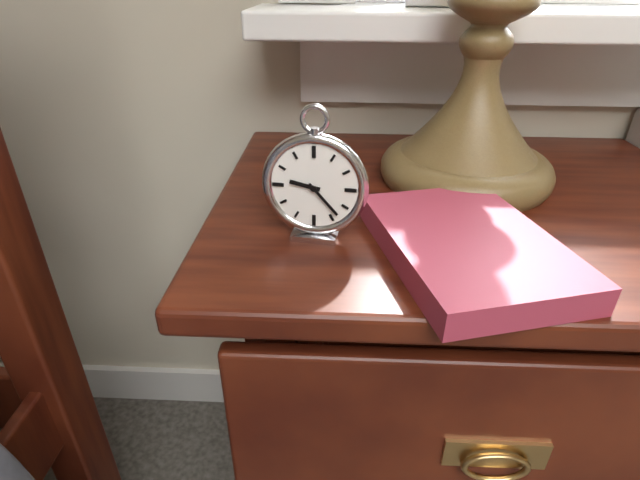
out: 9:23
